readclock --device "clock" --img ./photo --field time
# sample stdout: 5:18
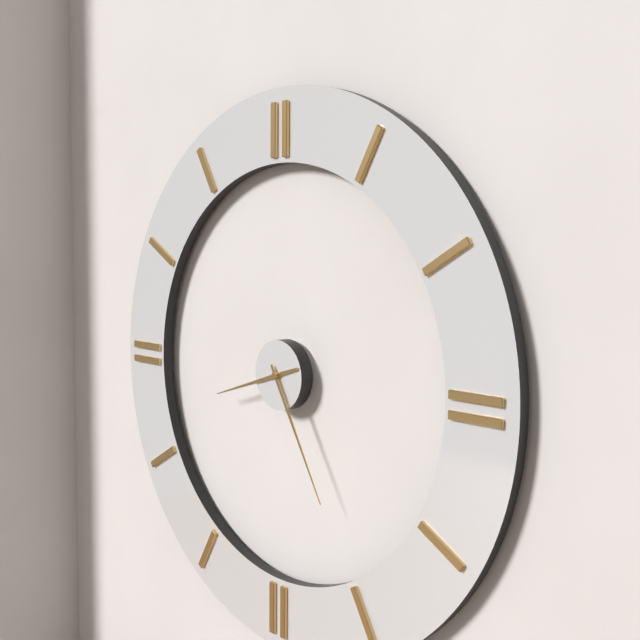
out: 8:25
